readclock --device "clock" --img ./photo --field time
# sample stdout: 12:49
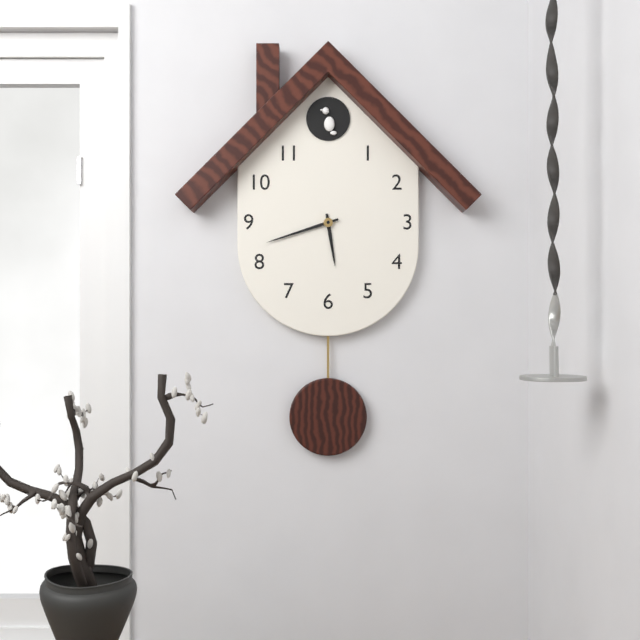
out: 5:42
